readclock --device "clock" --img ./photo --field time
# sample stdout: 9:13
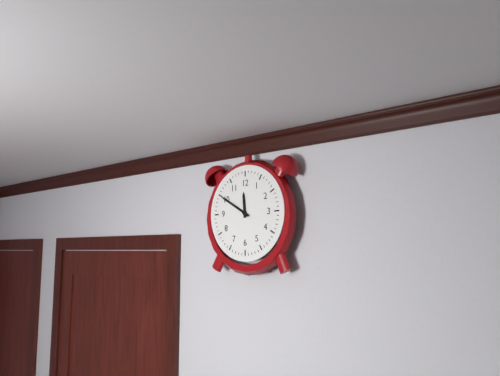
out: 11:50
